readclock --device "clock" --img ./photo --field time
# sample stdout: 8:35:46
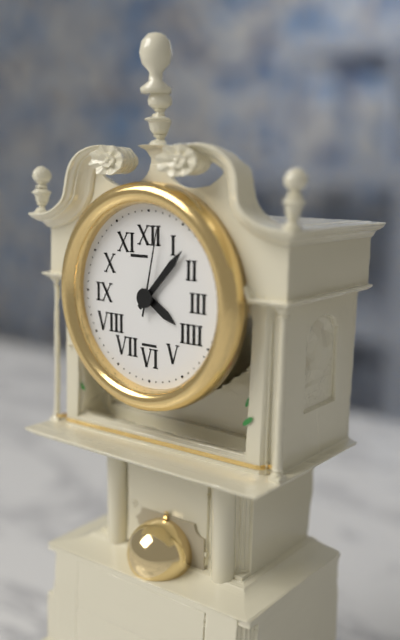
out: 4:07:02
